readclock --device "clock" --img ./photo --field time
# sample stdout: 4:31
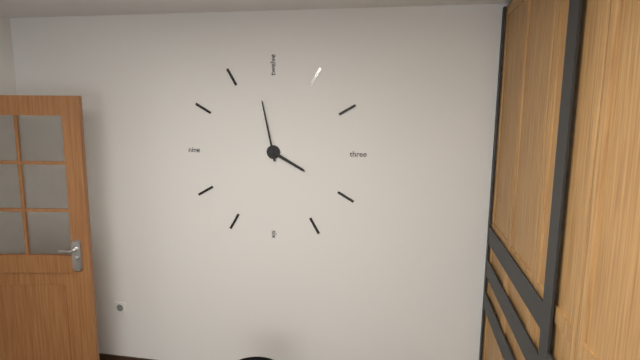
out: 3:58
